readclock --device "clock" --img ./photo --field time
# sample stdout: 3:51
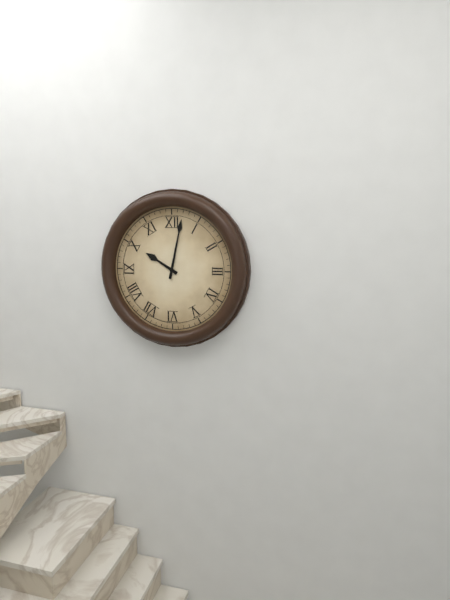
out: 10:02
